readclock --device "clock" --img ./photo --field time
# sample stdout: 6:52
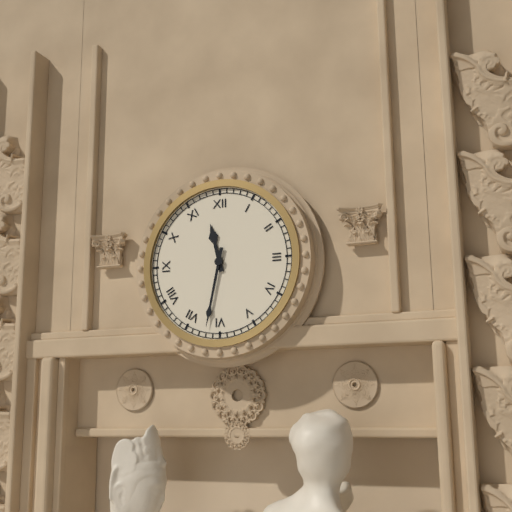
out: 11:32
